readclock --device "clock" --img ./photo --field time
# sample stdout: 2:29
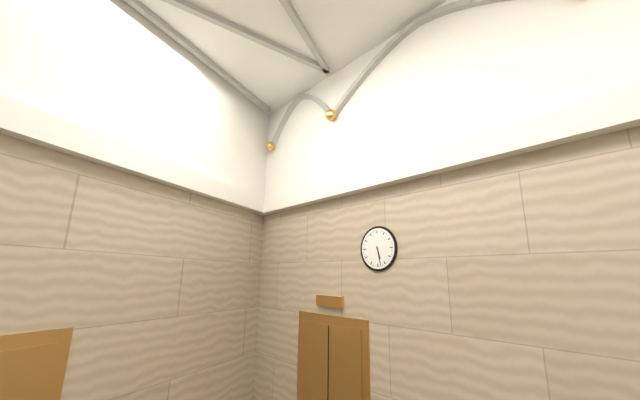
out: 5:28
